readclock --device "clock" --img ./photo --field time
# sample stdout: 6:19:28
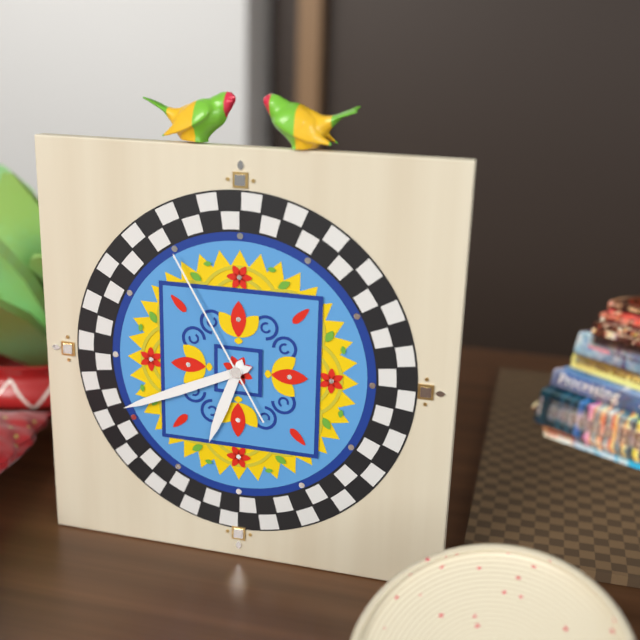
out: 6:41:55
